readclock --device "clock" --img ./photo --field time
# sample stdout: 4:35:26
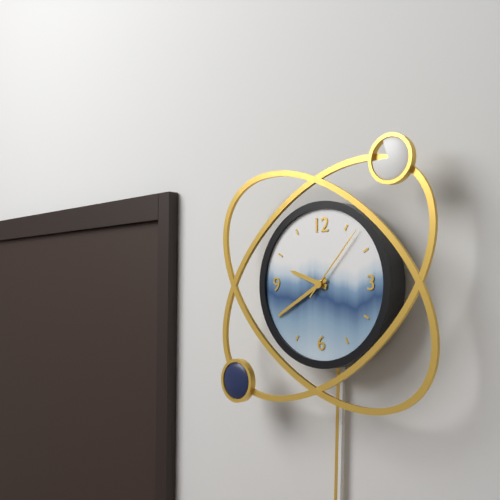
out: 9:40:07
